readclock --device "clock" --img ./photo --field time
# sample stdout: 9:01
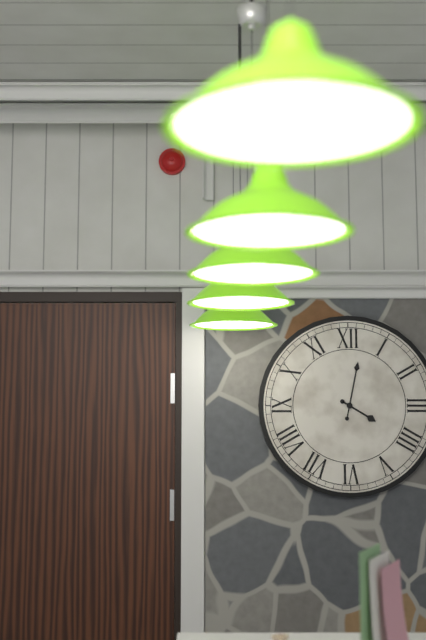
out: 4:02
